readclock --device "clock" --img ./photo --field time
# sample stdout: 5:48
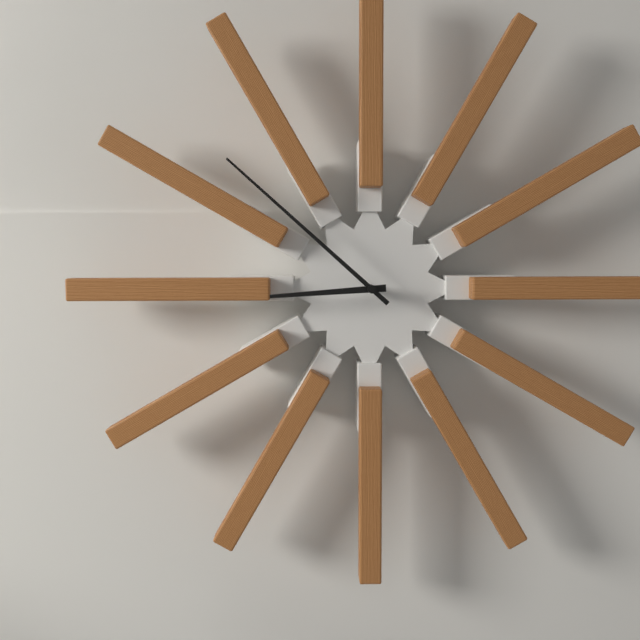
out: 8:52
